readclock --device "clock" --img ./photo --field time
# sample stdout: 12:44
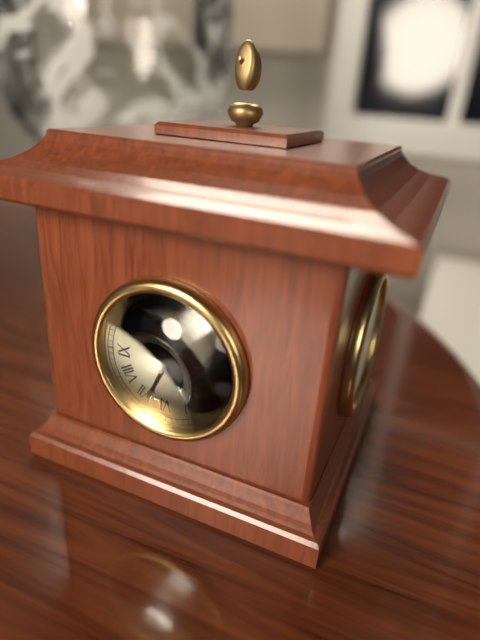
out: 1:34
